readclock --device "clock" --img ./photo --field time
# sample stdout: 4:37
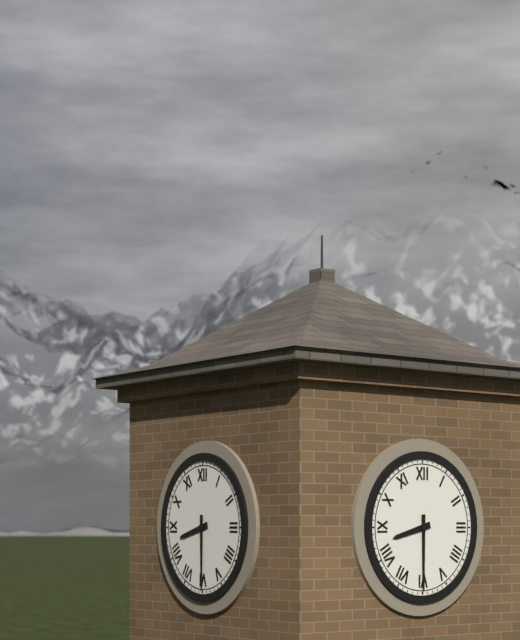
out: 8:30
